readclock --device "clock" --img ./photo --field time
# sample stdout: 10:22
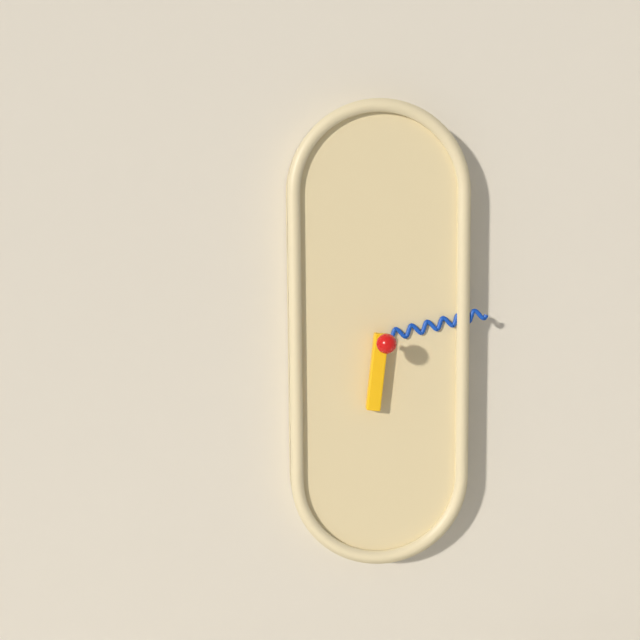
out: 6:13
